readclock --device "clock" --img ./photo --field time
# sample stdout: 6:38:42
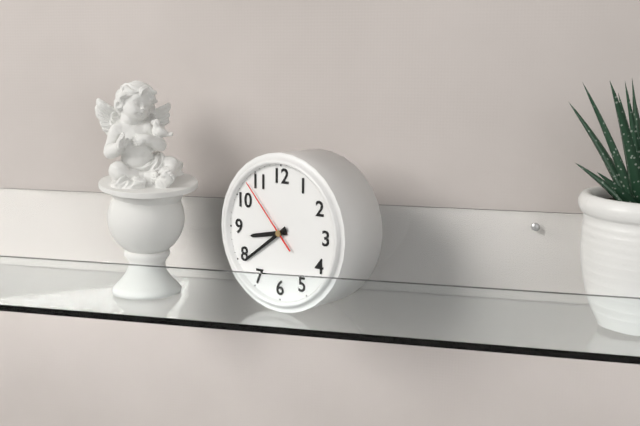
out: 8:39:53
